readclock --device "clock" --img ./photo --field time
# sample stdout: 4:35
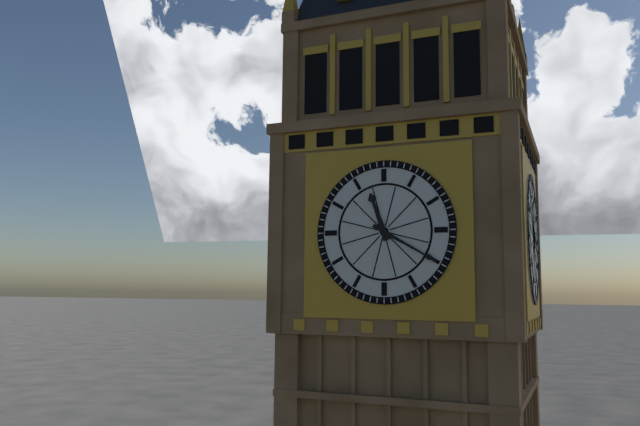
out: 11:20
